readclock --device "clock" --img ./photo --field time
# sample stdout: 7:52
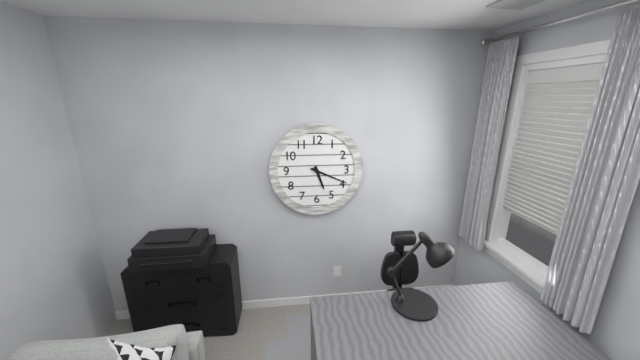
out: 5:19
